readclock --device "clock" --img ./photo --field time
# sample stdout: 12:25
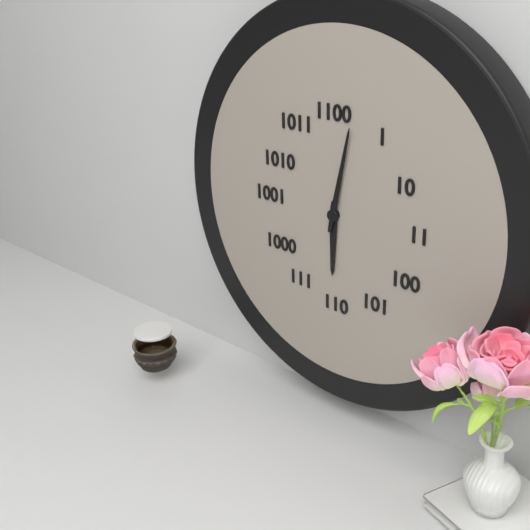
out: 6:02
